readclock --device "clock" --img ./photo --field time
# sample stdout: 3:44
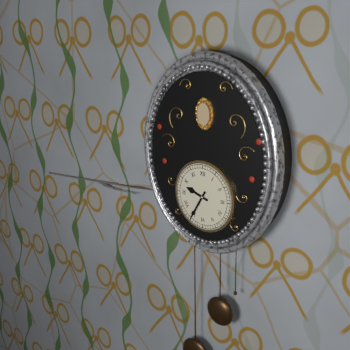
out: 9:35
